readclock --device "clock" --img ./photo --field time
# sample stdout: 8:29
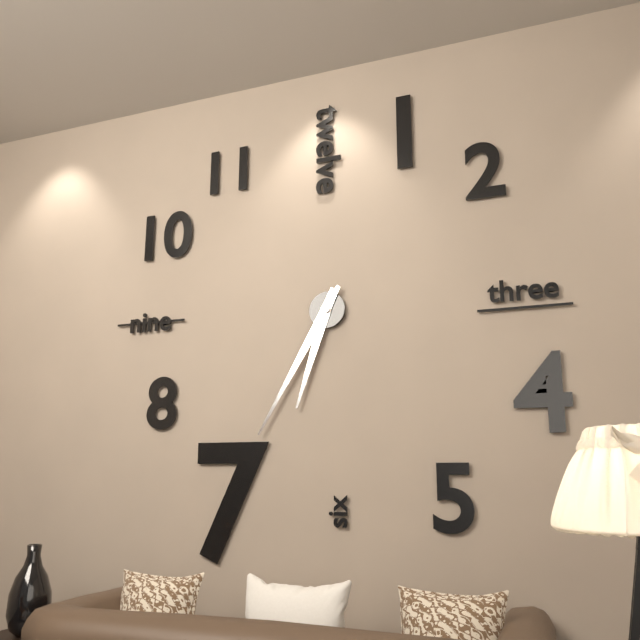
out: 6:35
